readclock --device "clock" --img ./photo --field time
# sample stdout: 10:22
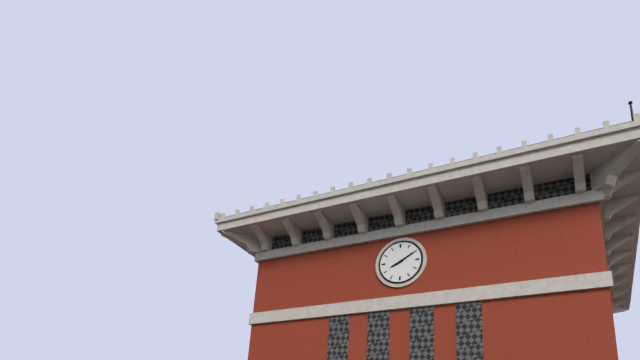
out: 8:10
